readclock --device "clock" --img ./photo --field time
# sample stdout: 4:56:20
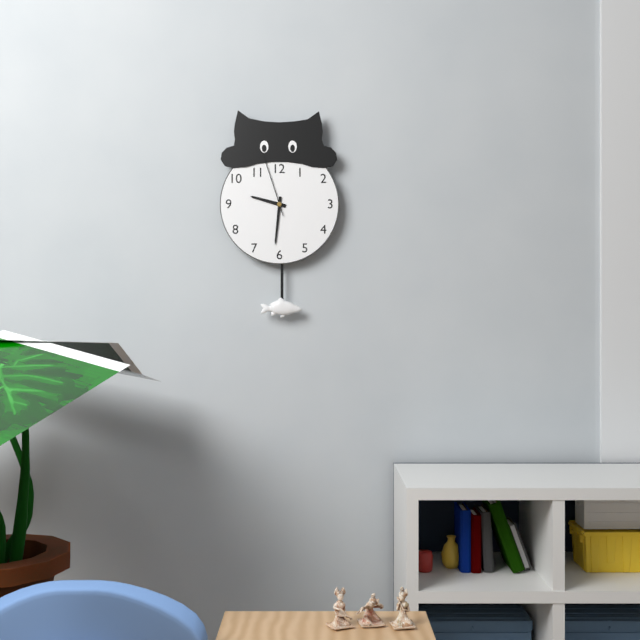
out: 9:31:57
